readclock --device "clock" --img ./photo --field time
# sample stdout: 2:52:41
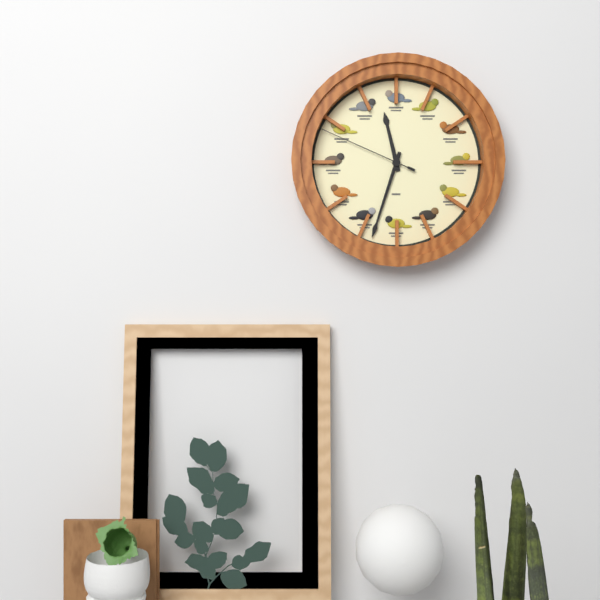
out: 11:33:49
